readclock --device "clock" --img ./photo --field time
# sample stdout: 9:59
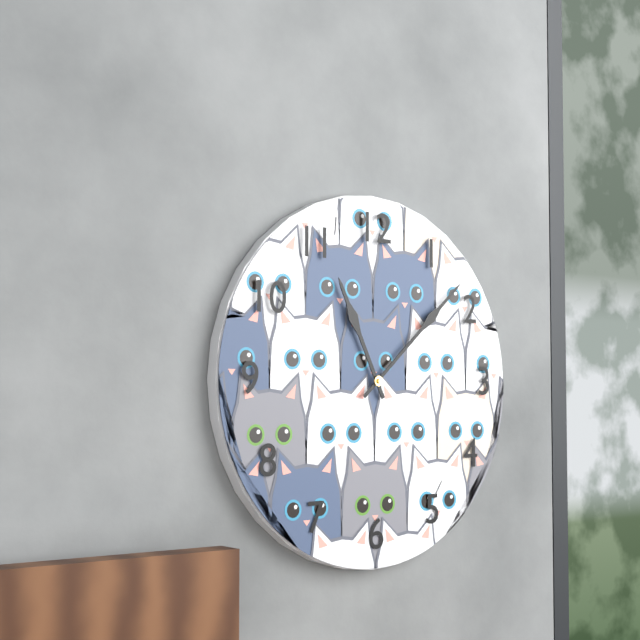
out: 11:08
